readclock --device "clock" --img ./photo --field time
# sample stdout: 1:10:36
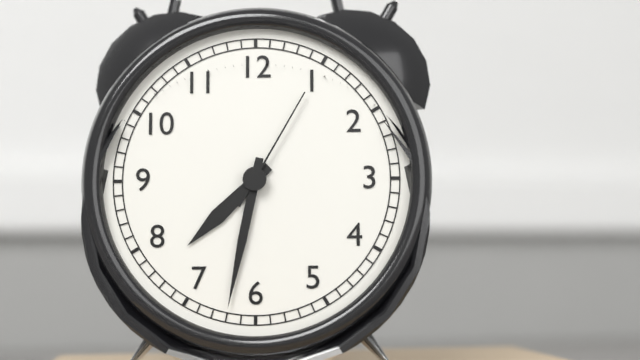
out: 7:32:05
